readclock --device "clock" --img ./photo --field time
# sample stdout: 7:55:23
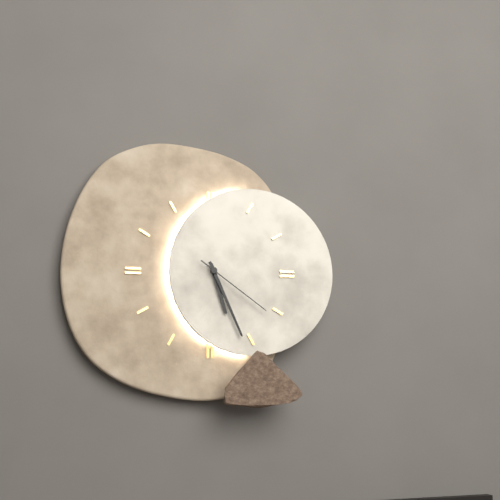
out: 5:26:21
